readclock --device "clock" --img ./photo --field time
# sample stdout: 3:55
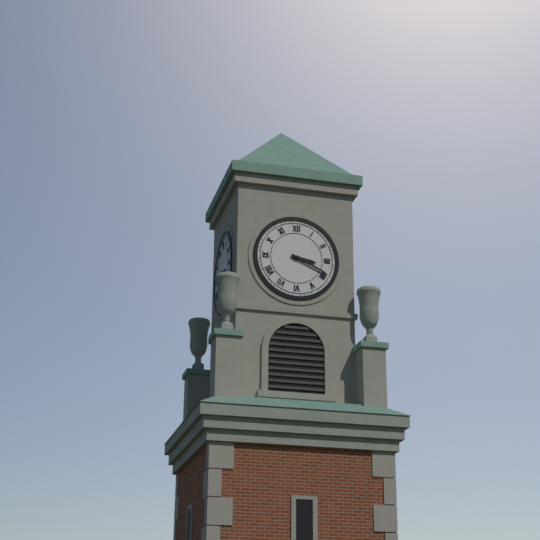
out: 3:19
